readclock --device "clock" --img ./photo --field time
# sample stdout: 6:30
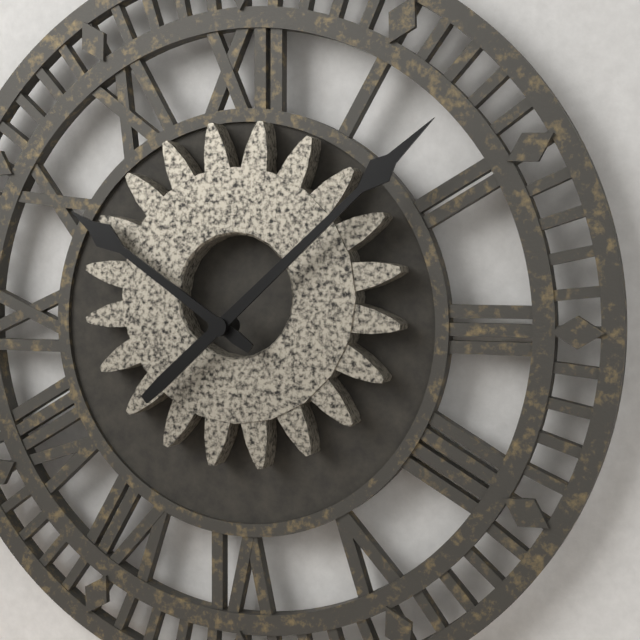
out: 10:08
